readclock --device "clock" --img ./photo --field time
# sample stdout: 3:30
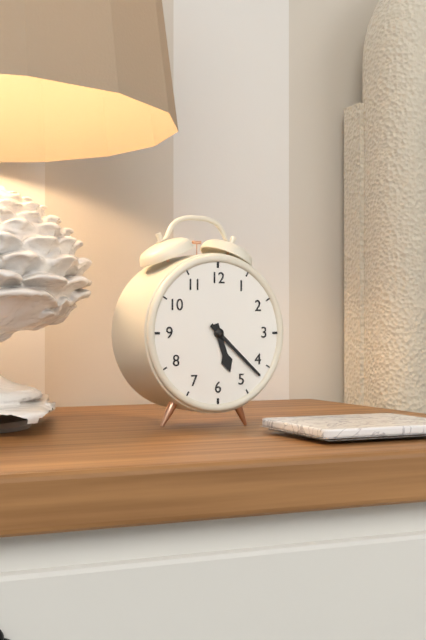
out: 5:22
